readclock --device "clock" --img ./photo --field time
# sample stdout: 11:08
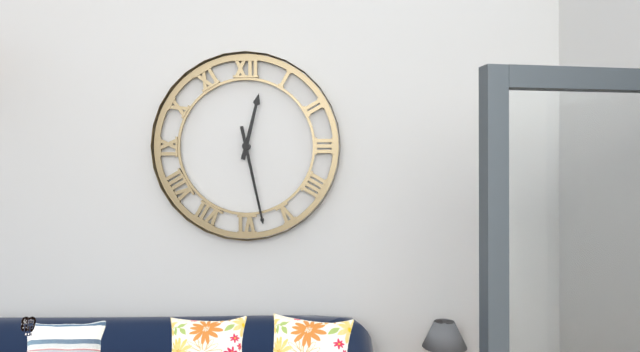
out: 12:28
